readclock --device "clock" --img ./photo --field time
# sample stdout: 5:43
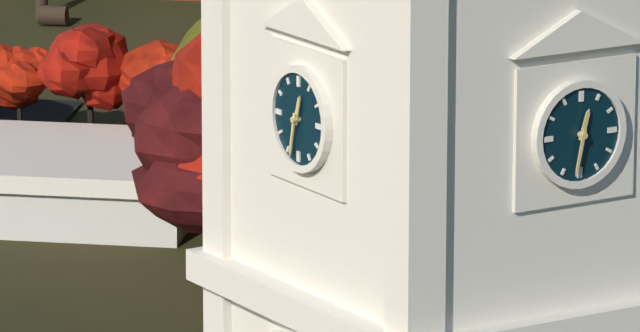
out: 12:32
